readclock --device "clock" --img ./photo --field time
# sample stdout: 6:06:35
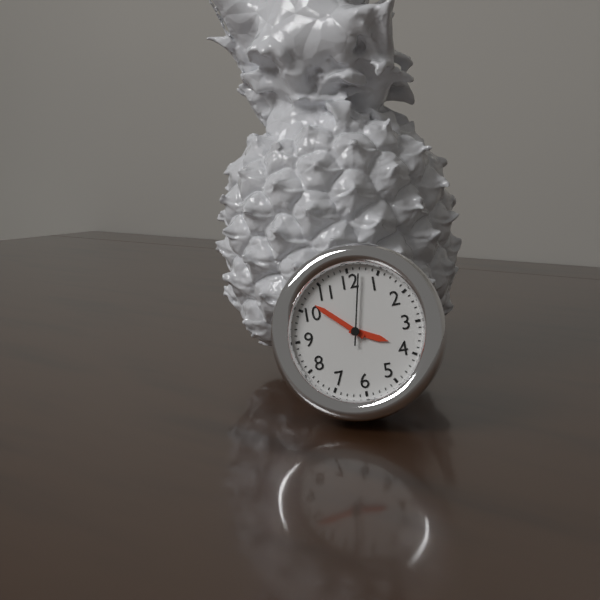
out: 3:52:02
